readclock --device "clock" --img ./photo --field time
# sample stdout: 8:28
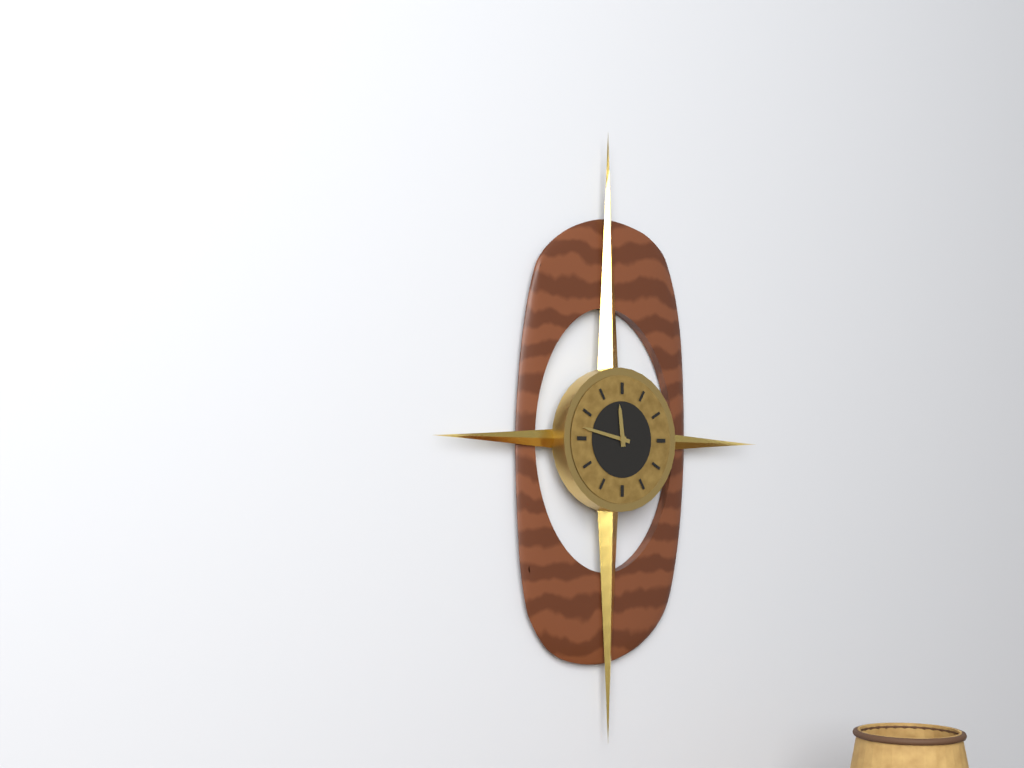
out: 11:47
